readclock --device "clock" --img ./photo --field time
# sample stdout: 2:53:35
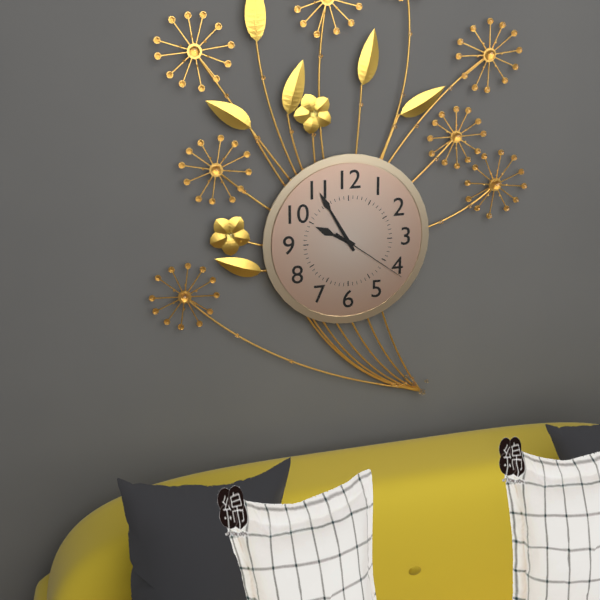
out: 9:55:21
